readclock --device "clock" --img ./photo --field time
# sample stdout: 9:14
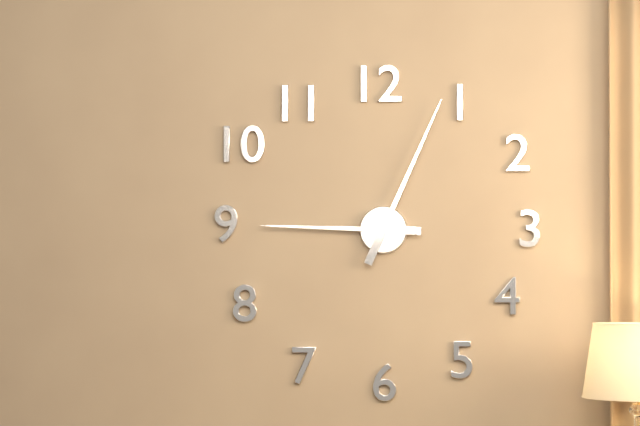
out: 9:04
